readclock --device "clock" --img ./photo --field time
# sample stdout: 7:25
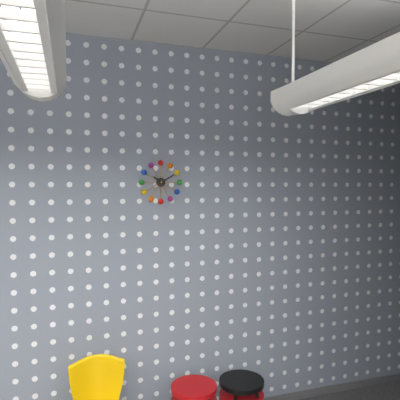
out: 10:10
